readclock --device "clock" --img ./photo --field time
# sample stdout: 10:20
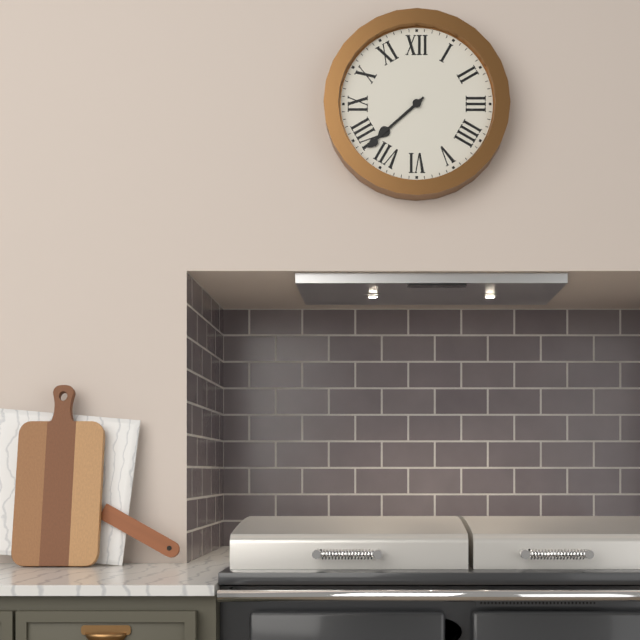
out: 7:38
